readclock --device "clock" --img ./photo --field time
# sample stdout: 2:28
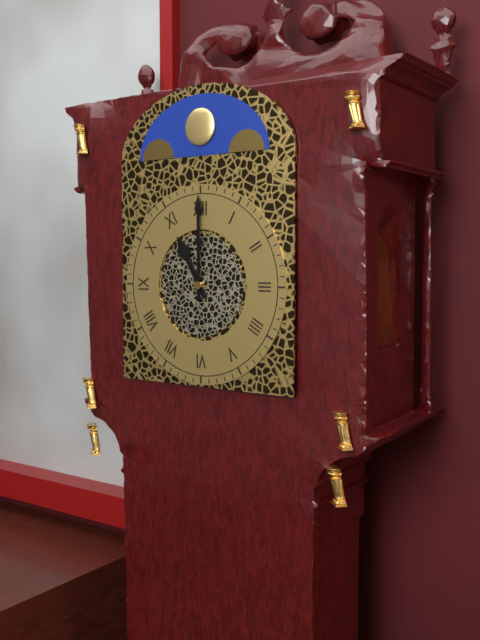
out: 11:00
